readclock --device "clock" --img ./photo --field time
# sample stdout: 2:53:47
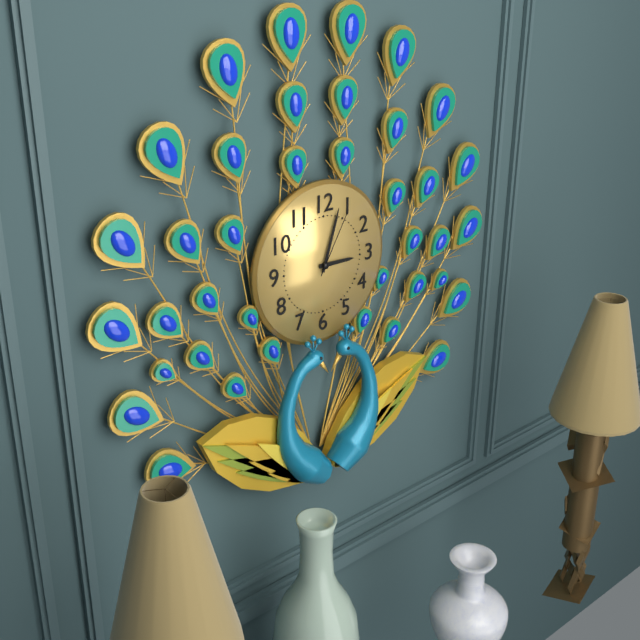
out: 3:03:05
